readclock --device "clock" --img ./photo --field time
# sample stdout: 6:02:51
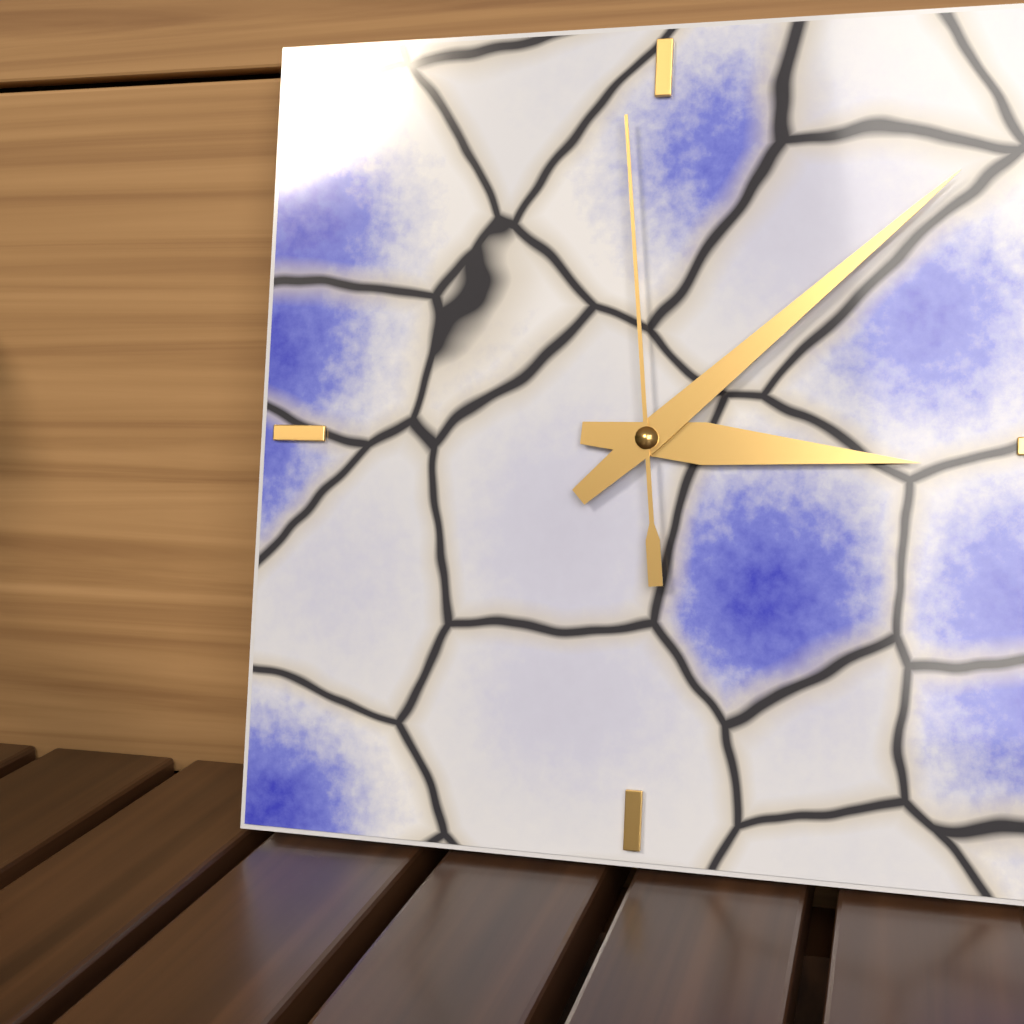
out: 3:08:59
